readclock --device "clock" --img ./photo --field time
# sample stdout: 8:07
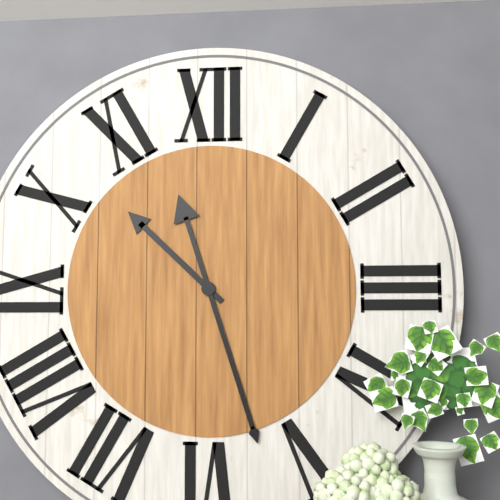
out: 10:27
